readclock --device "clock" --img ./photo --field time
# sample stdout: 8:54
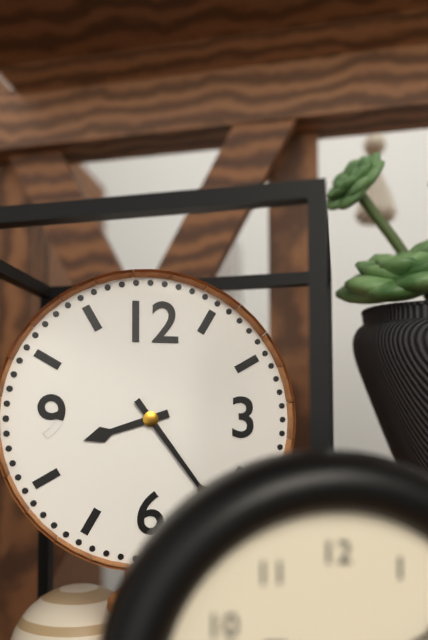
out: 8:24
